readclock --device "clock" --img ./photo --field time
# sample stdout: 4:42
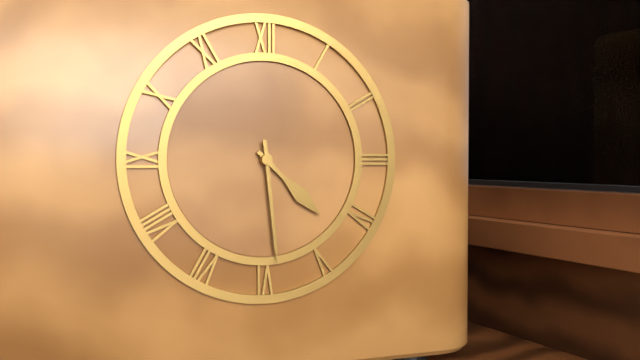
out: 4:29
